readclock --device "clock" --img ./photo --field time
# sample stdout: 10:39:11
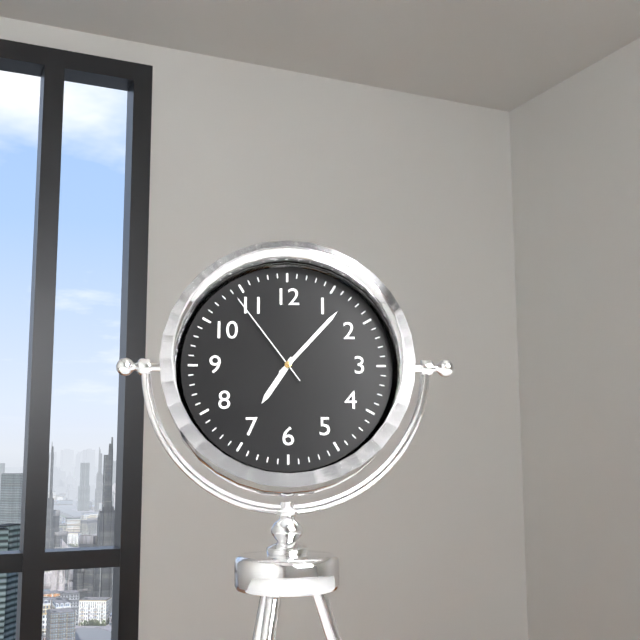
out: 7:07:54
